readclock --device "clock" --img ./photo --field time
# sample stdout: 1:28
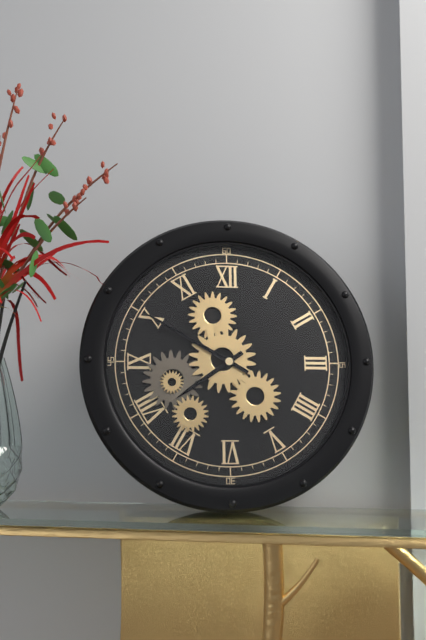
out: 7:50
